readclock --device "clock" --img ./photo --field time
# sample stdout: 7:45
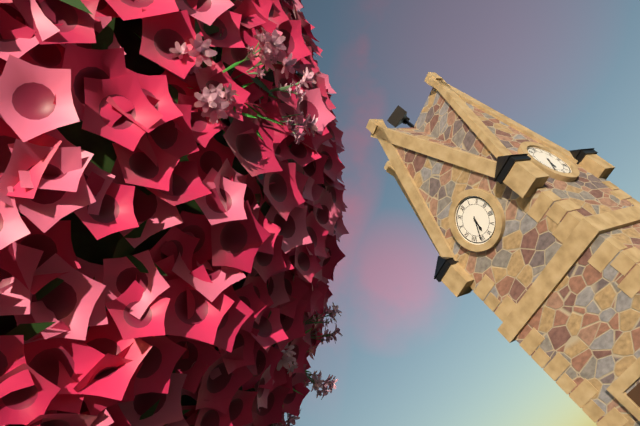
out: 6:36
